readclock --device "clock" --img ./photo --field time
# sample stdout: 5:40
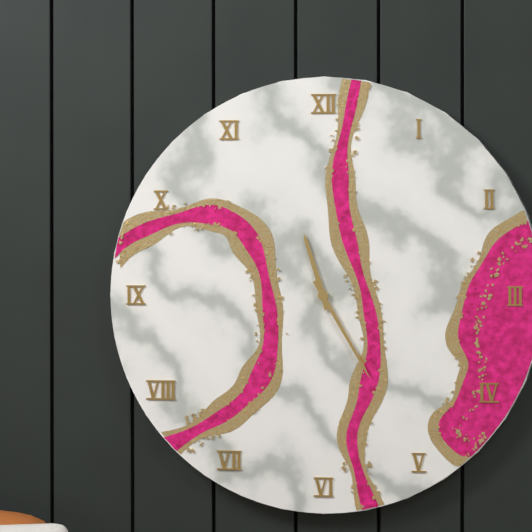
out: 11:25
